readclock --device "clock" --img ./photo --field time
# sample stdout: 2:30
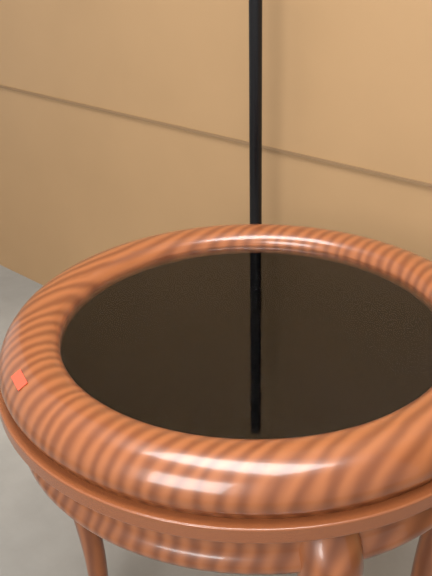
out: 9:41
